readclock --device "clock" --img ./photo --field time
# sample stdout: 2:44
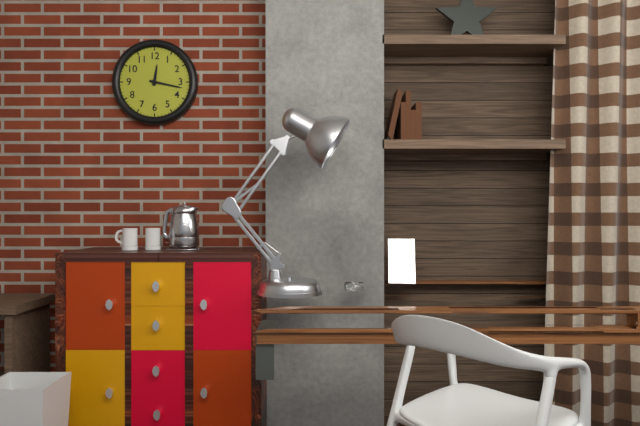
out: 12:17
